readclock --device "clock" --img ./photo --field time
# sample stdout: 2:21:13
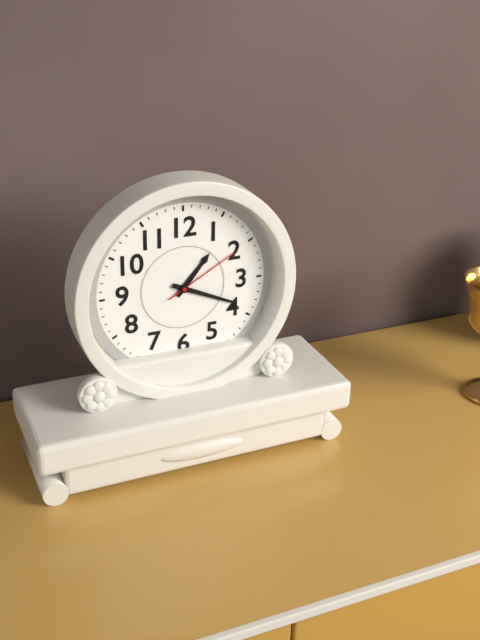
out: 1:19:10
